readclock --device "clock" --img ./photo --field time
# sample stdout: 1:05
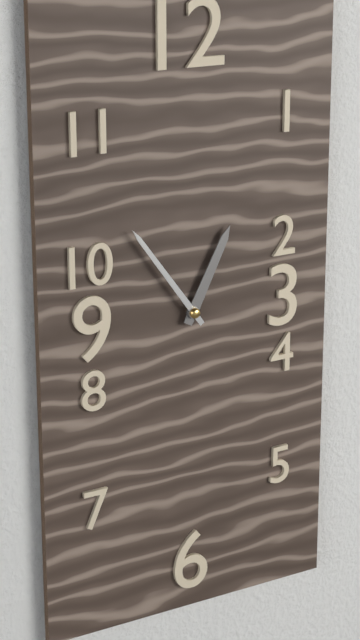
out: 12:54
